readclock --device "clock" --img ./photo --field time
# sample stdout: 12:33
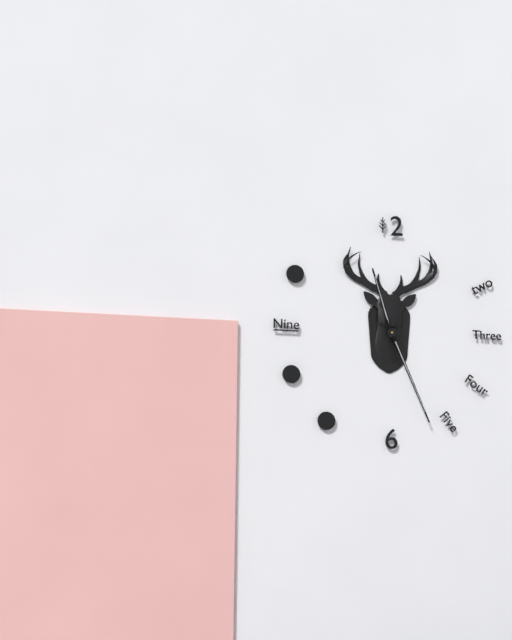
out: 11:26
